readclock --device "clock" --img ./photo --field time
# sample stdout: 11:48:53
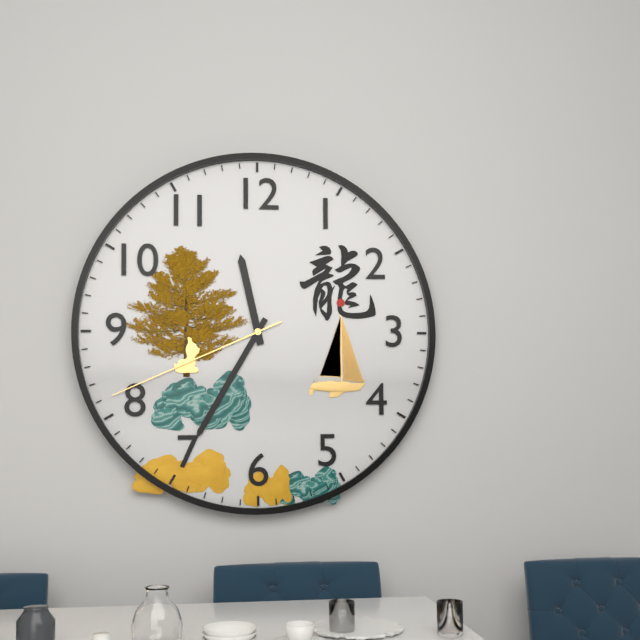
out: 11:35:41
